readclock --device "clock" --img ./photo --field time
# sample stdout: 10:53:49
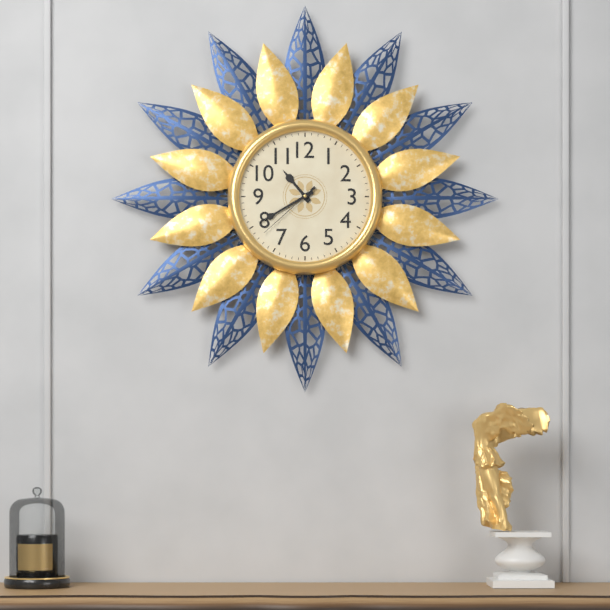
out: 10:40:38
